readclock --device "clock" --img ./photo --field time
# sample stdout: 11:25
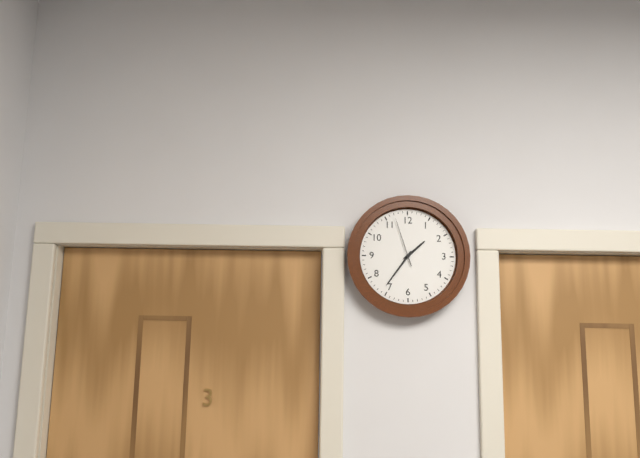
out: 1:36
